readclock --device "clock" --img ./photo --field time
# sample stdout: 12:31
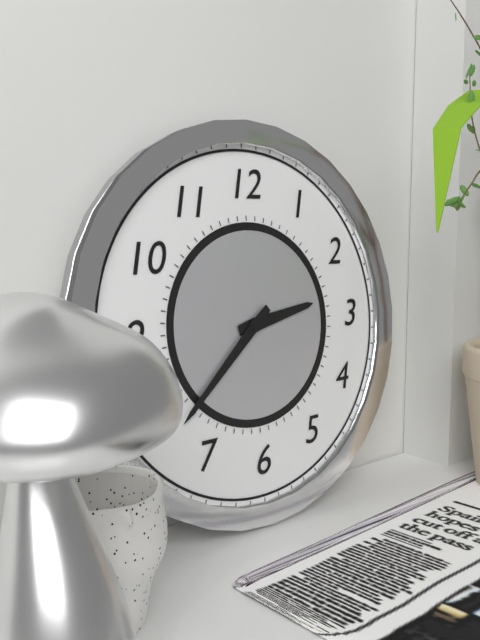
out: 2:38
